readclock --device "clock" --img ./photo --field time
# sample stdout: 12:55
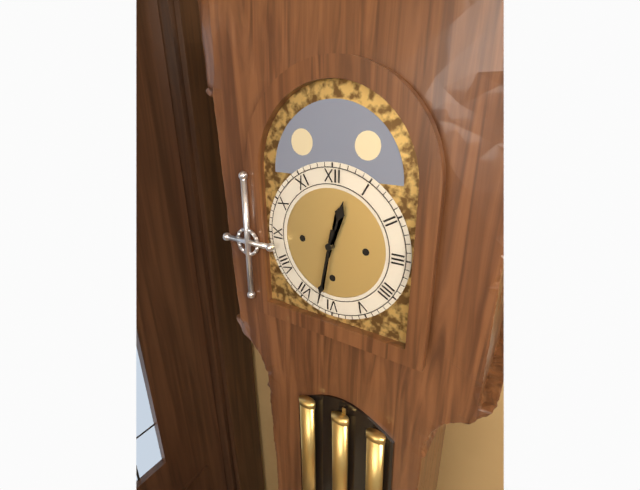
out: 12:32
